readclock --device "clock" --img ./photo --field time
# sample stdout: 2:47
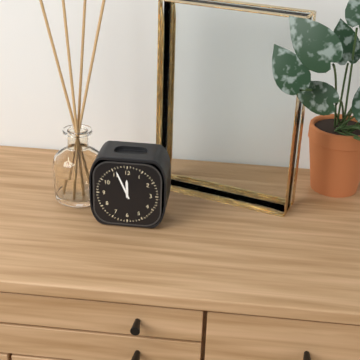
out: 11:56
